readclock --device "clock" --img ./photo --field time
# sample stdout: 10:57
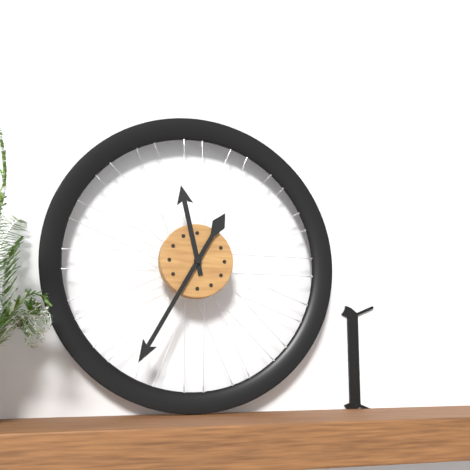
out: 11:35
